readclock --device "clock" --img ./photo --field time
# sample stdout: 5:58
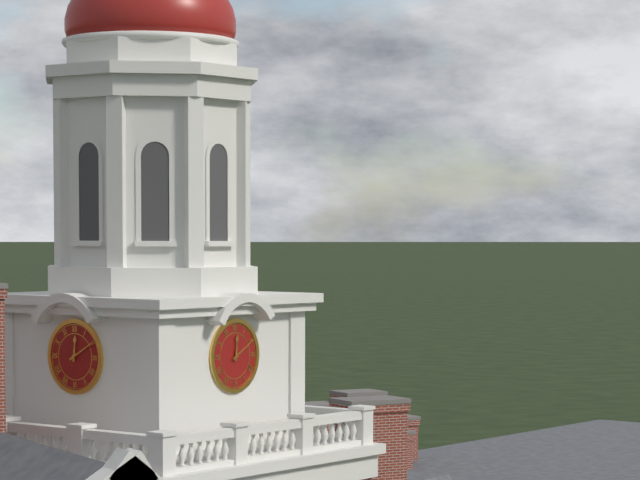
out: 12:10
